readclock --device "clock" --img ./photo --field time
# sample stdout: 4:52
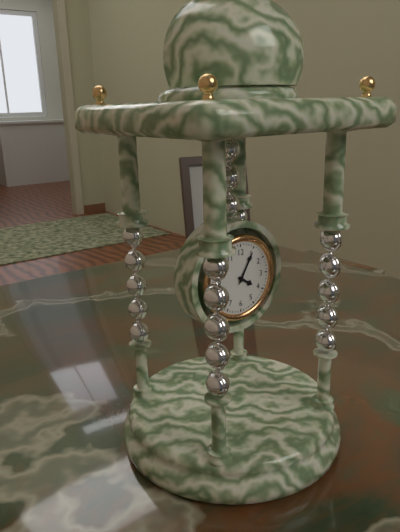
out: 4:05
